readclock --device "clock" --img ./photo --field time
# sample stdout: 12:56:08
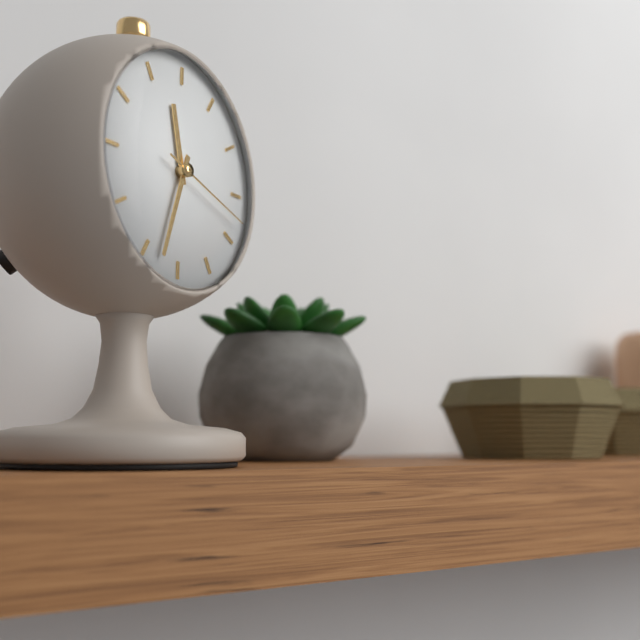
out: 11:33:18
